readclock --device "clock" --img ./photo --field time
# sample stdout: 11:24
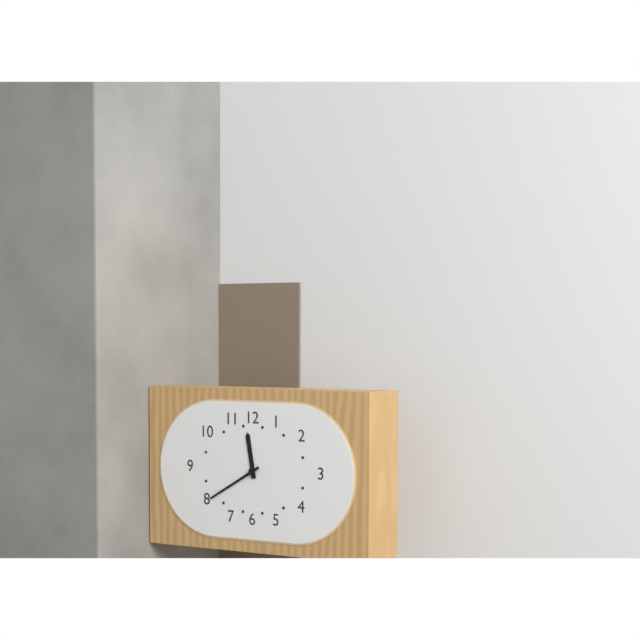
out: 11:40
